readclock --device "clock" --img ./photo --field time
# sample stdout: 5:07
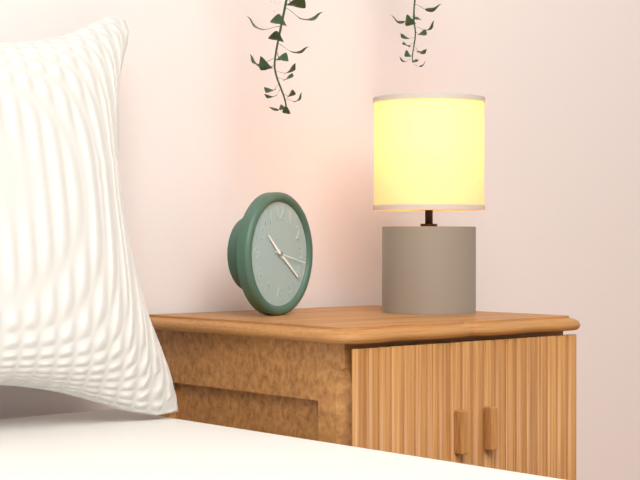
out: 10:21
